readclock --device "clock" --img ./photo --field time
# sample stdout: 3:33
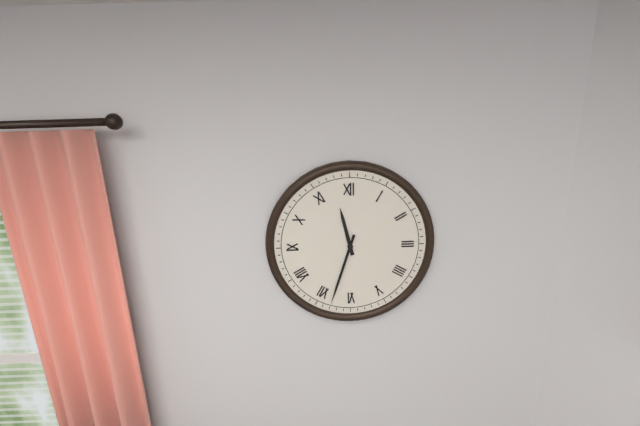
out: 11:33
